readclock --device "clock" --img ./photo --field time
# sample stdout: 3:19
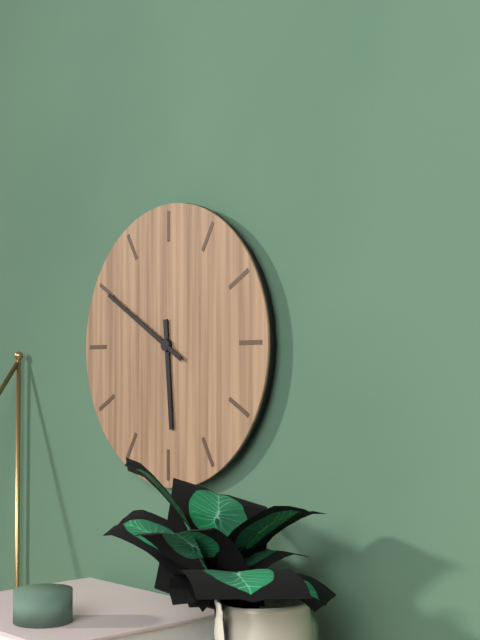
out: 5:50
